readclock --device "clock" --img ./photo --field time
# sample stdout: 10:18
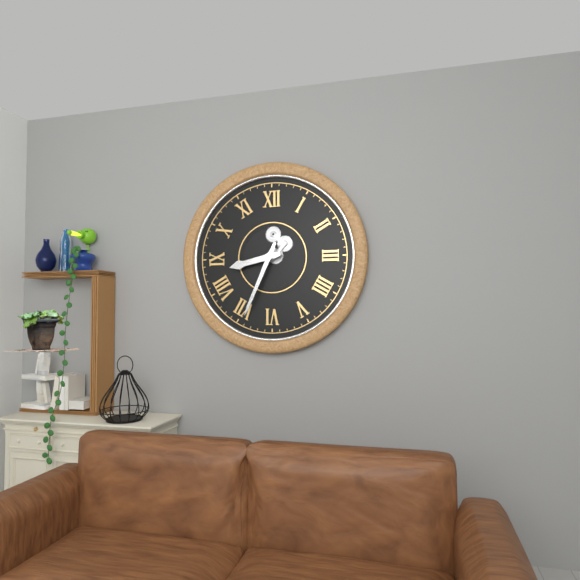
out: 8:34
